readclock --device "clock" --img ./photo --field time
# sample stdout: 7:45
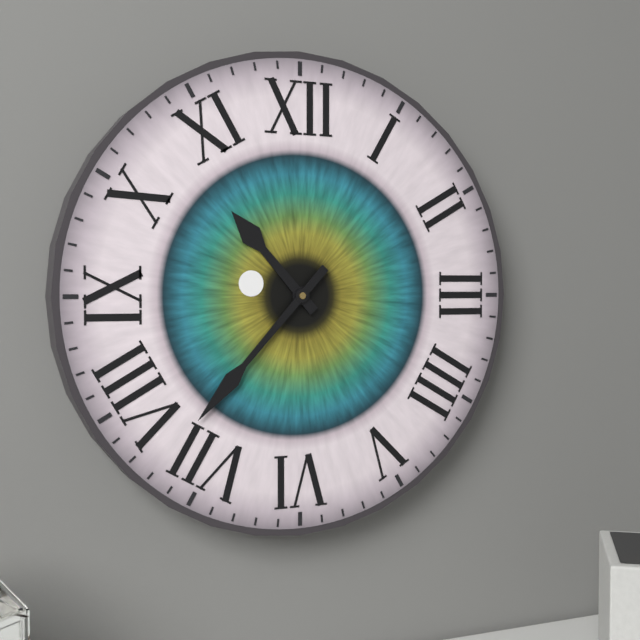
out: 10:37
